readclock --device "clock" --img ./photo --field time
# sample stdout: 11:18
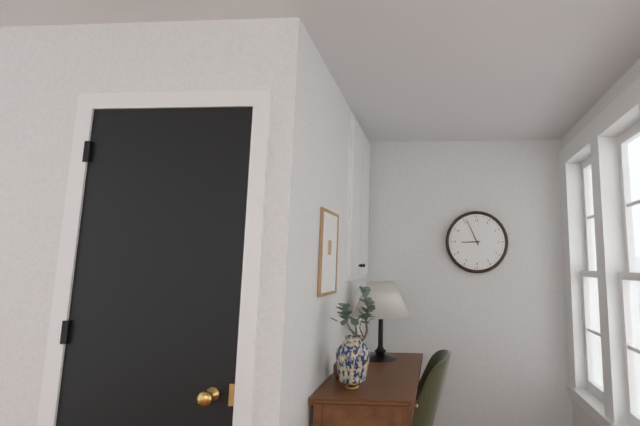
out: 8:56
